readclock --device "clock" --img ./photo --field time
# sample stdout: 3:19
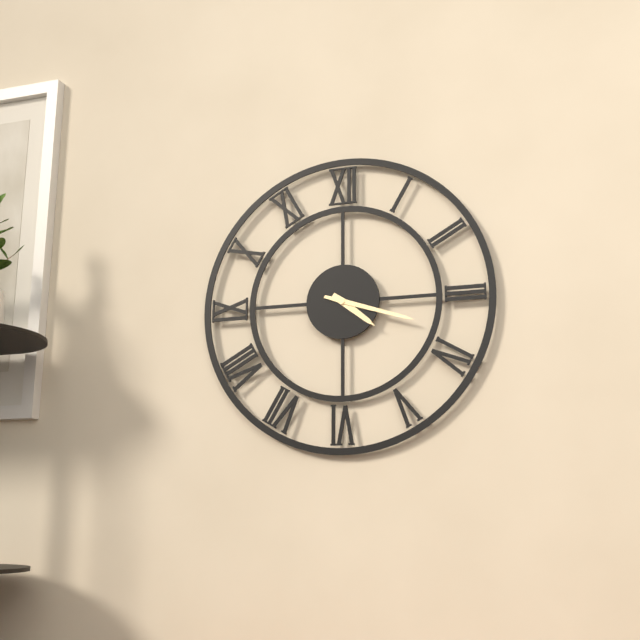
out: 4:18
